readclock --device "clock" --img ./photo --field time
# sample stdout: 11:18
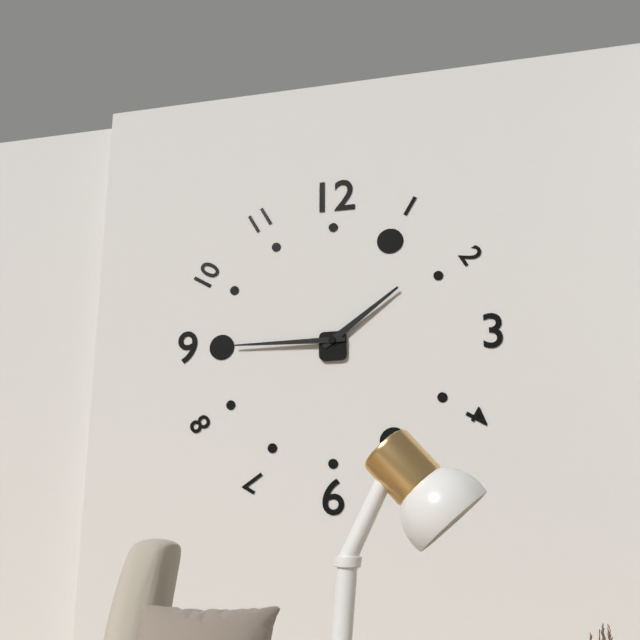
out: 1:45
